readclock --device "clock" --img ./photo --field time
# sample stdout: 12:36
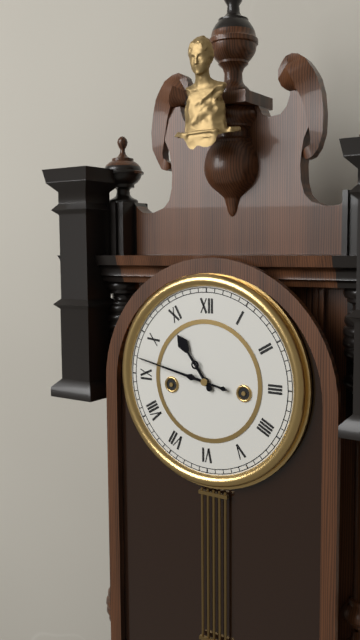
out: 10:47
